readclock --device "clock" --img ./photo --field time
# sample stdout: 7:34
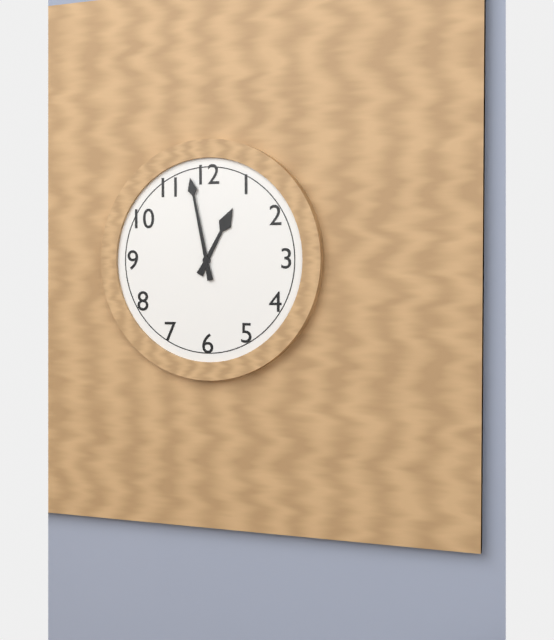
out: 12:58
